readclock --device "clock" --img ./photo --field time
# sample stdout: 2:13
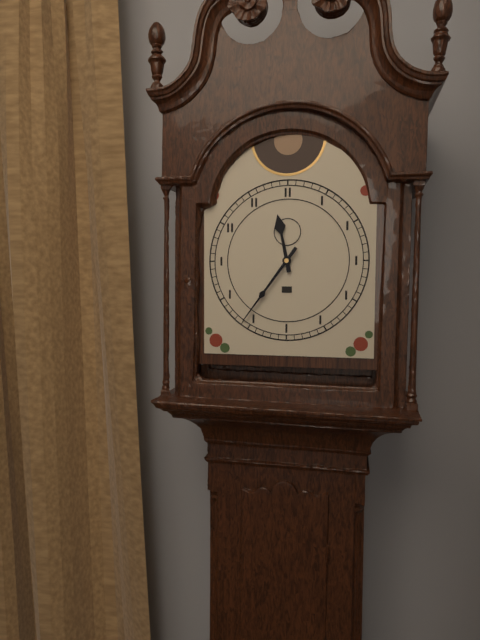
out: 11:36
